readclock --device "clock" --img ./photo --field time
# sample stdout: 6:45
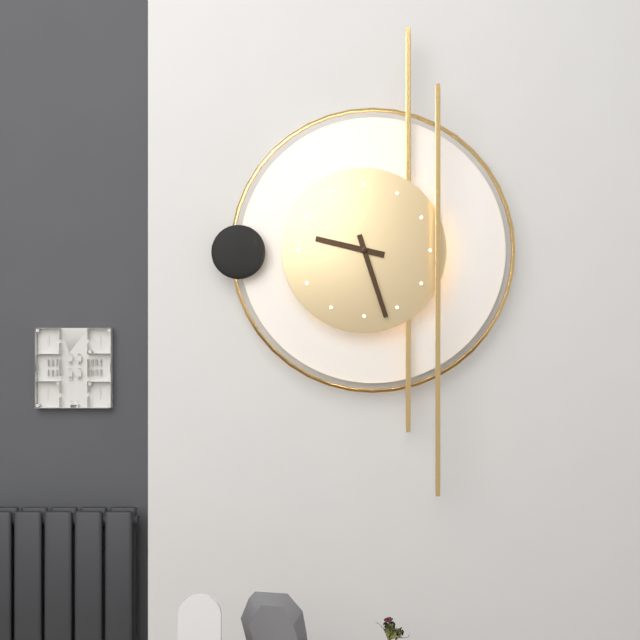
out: 9:27
